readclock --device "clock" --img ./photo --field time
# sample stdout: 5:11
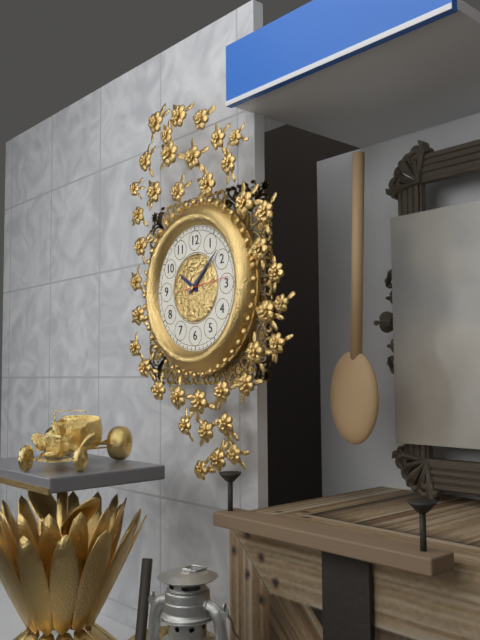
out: 10:08
